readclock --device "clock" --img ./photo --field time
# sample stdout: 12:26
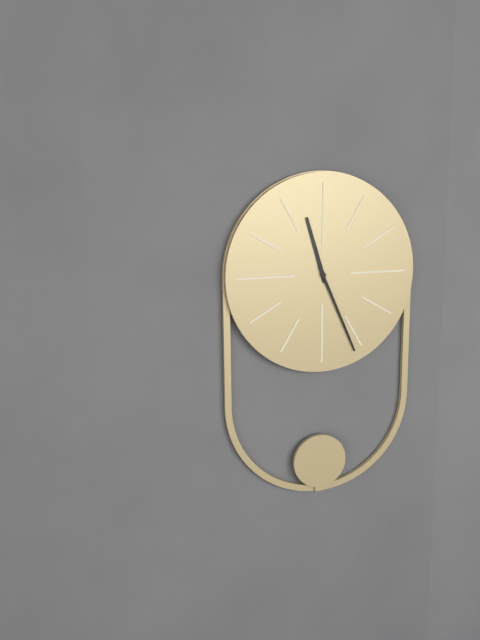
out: 11:26
